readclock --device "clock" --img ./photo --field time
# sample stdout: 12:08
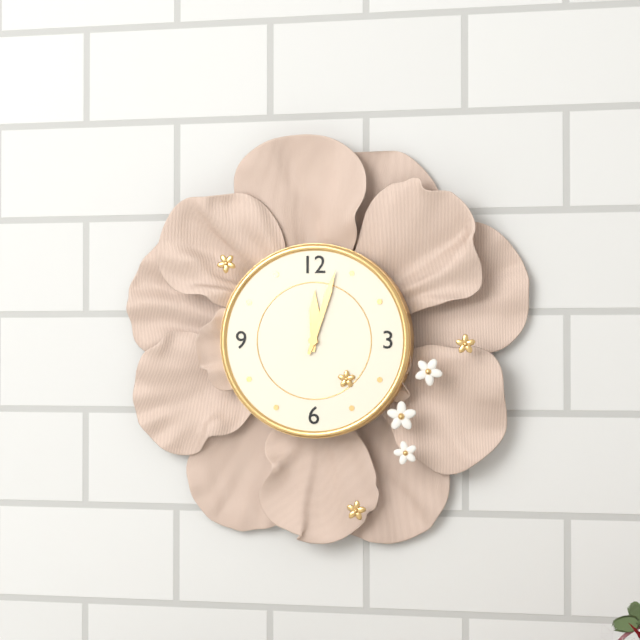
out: 12:03
